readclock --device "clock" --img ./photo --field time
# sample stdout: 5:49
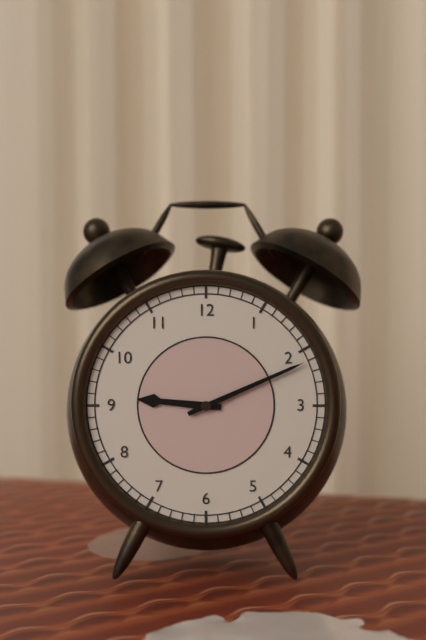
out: 9:11
